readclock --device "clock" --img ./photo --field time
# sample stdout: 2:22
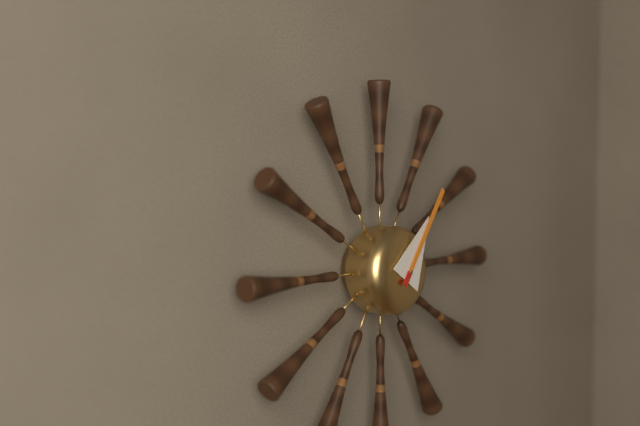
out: 1:06
